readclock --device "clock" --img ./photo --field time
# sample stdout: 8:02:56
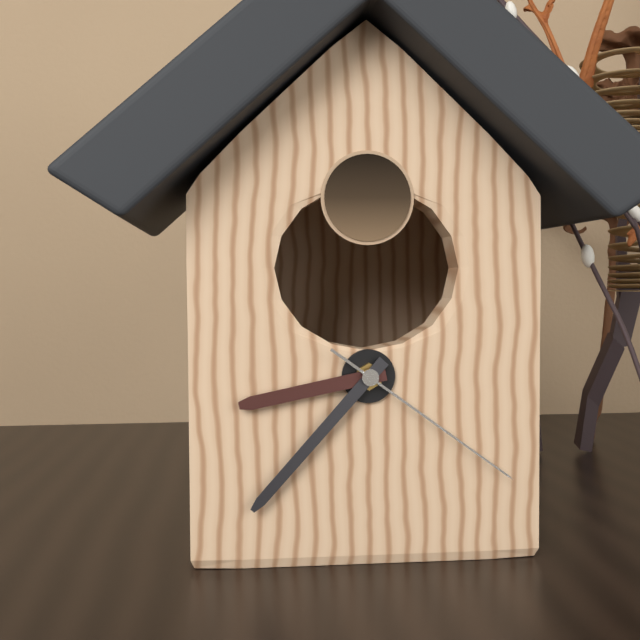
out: 8:37:21
